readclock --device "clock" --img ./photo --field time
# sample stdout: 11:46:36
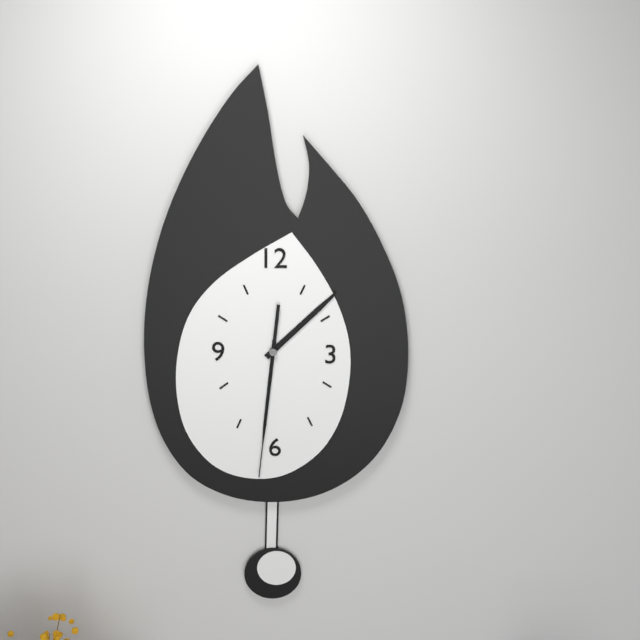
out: 1:31:31
